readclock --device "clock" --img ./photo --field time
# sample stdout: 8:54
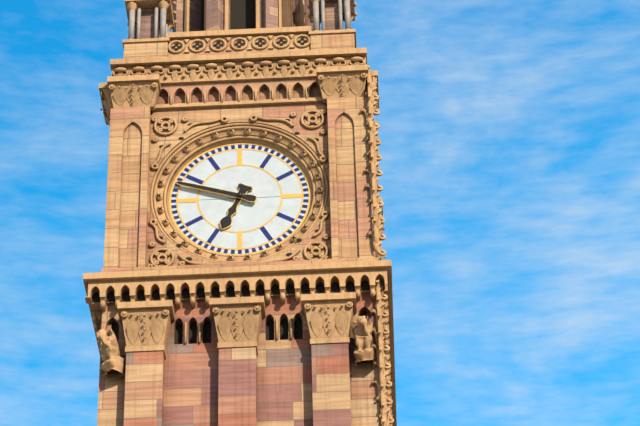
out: 6:48
